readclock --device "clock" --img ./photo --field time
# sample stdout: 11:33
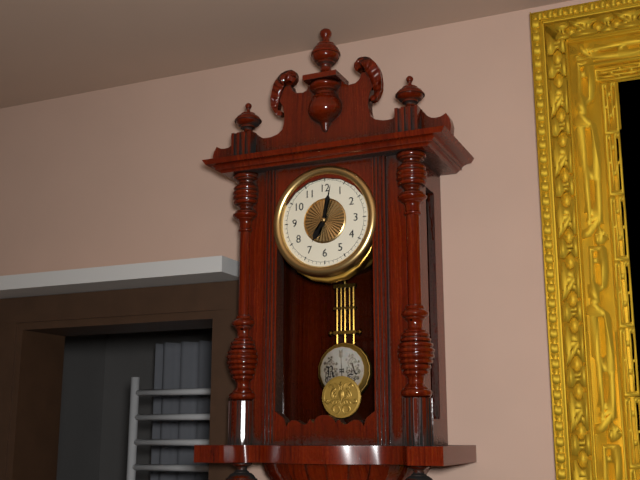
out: 7:02
